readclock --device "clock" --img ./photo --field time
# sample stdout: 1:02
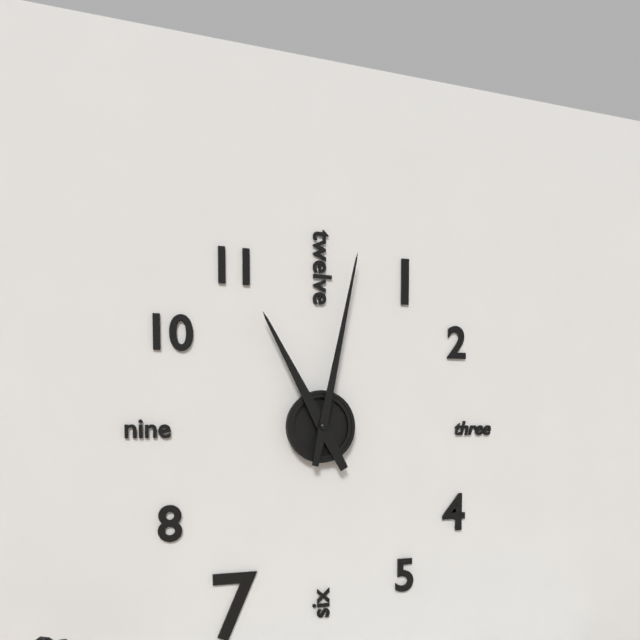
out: 11:02
